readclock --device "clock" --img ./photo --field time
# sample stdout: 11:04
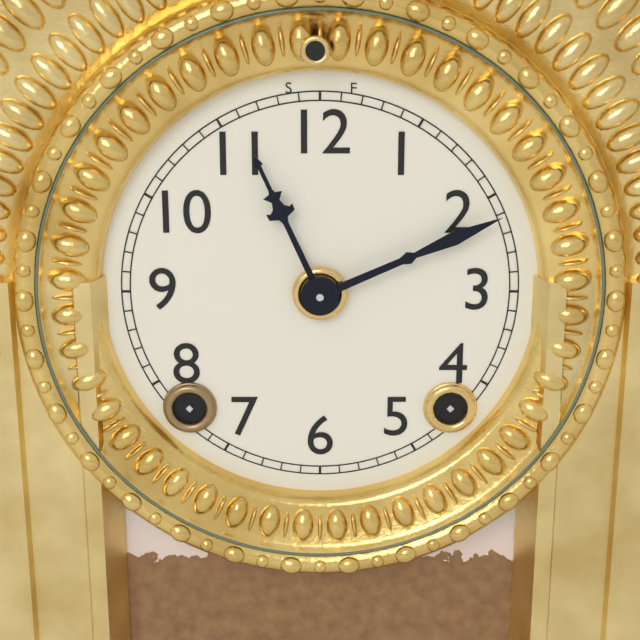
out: 11:11
